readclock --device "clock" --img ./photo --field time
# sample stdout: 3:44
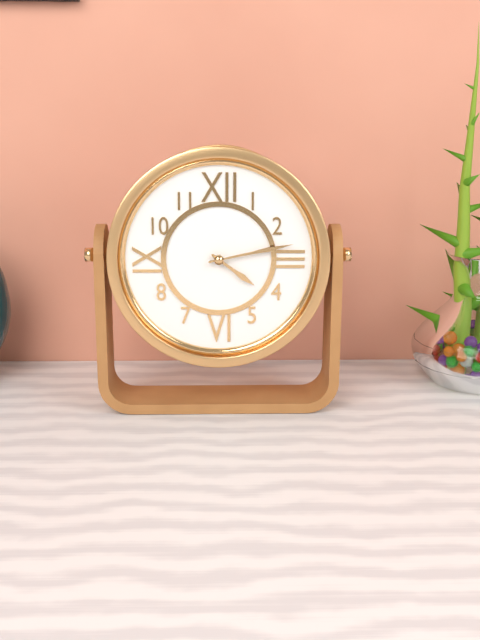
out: 4:13
